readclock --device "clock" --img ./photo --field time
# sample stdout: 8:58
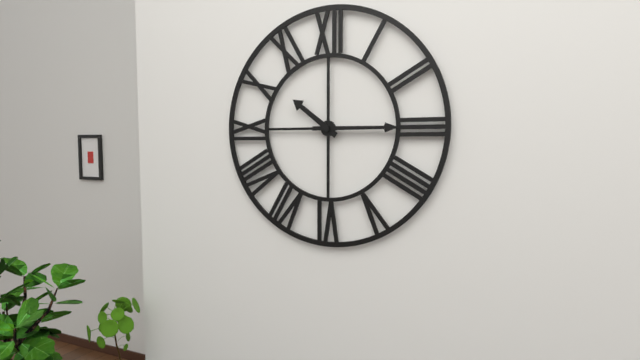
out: 10:15
